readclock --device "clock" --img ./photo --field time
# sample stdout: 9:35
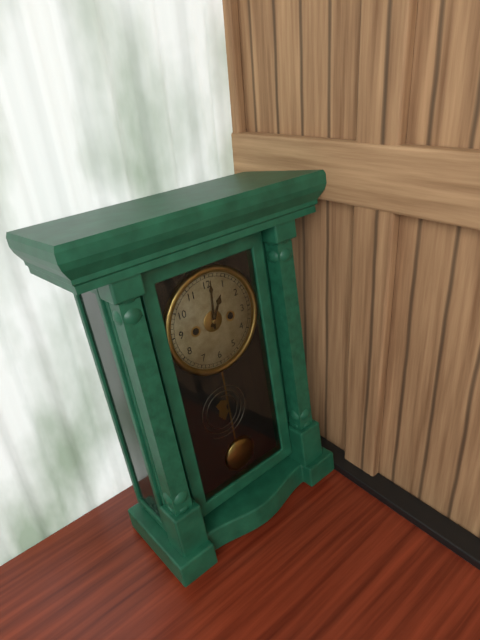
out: 1:01
